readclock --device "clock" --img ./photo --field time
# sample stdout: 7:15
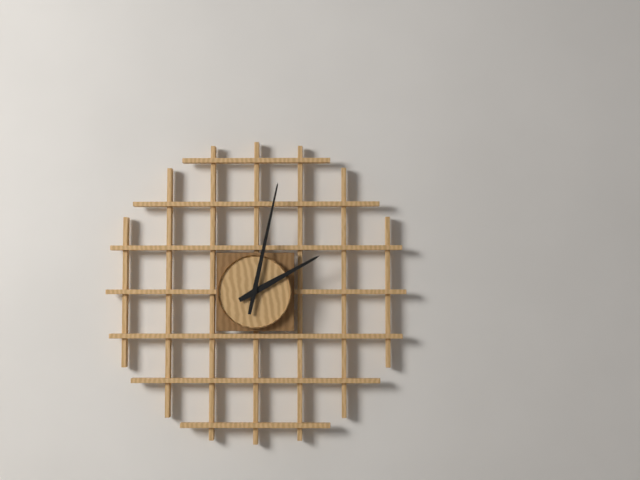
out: 2:02
